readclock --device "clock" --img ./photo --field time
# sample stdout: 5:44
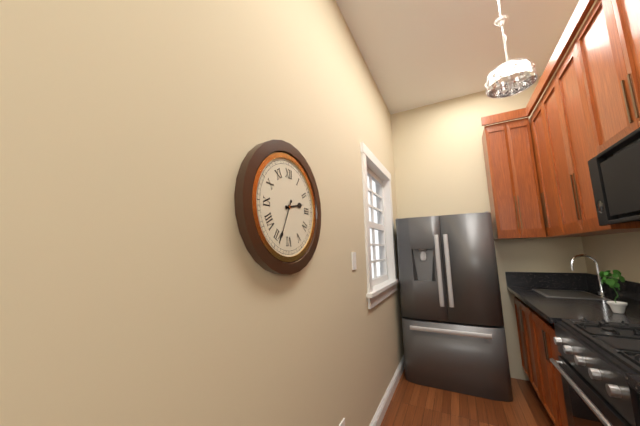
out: 2:34
